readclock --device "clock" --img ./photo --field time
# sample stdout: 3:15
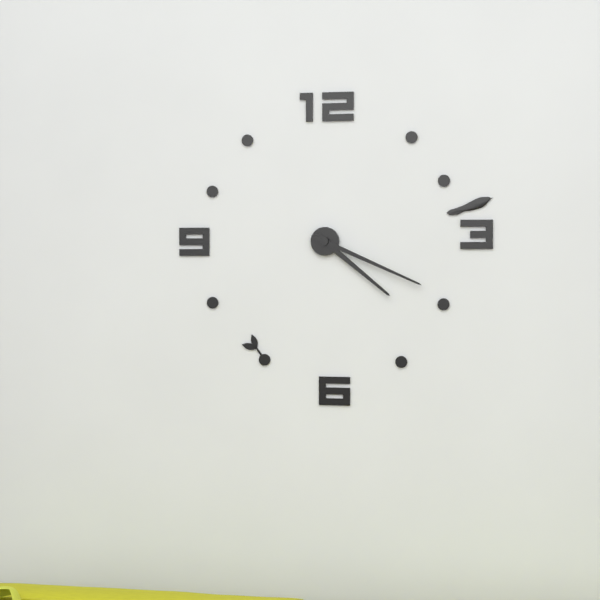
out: 4:19
